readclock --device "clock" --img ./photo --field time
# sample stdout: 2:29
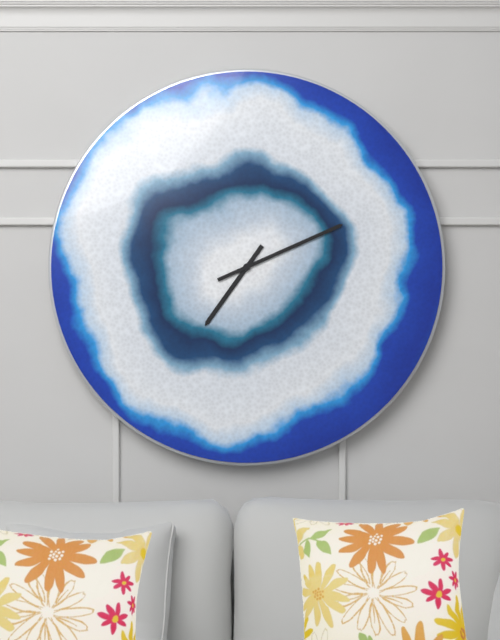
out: 7:11
